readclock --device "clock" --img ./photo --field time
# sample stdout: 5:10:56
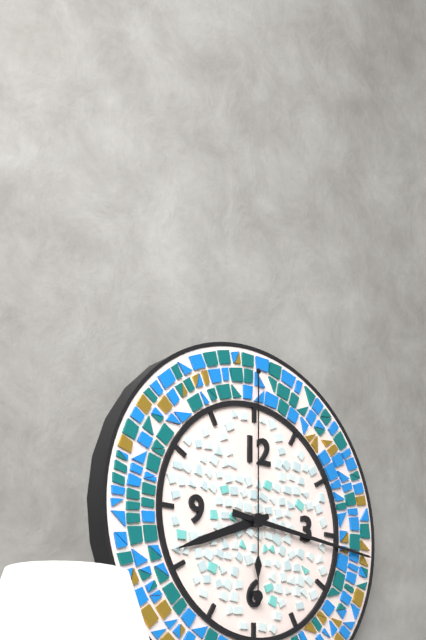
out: 8:16:00
